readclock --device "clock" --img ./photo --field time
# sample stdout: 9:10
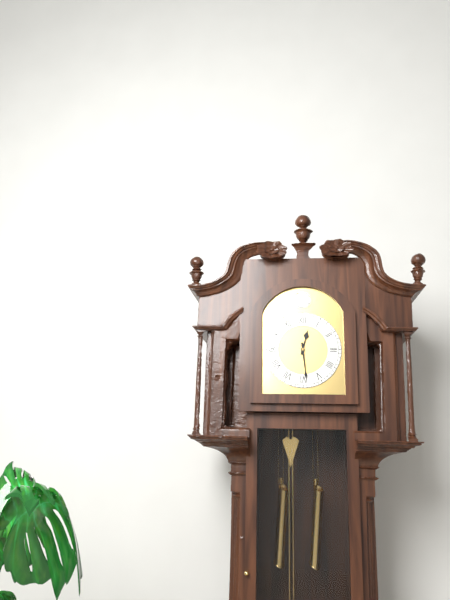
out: 12:29
